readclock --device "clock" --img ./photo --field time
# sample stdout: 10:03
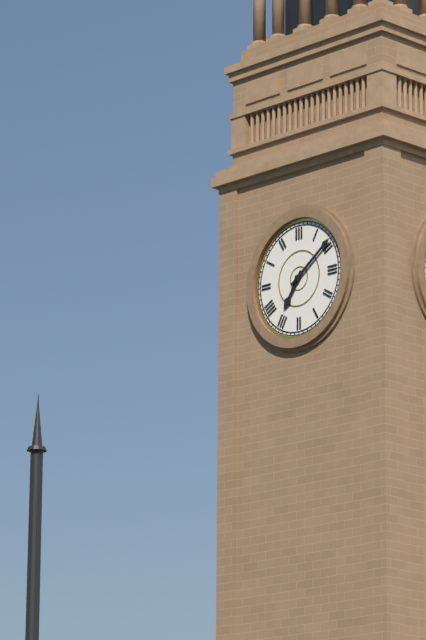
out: 7:09
